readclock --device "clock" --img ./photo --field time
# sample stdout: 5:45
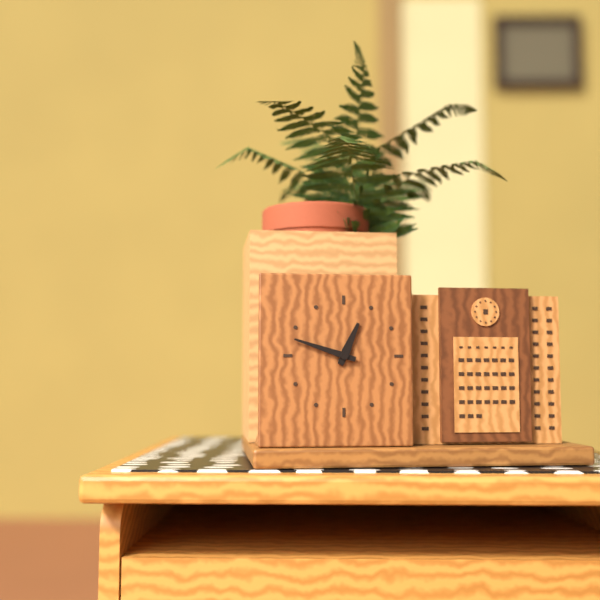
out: 12:48
